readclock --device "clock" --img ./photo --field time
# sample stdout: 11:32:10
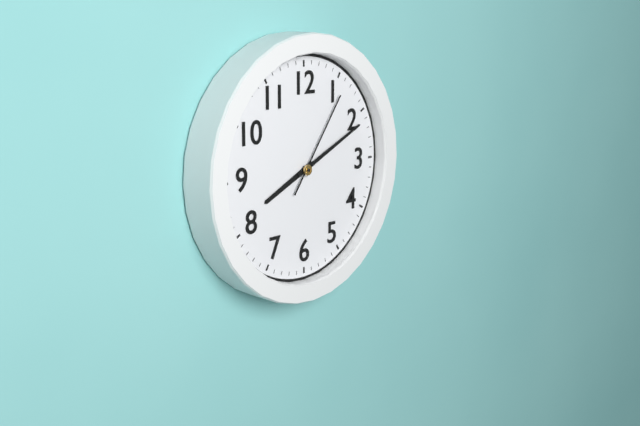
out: 8:11:06
